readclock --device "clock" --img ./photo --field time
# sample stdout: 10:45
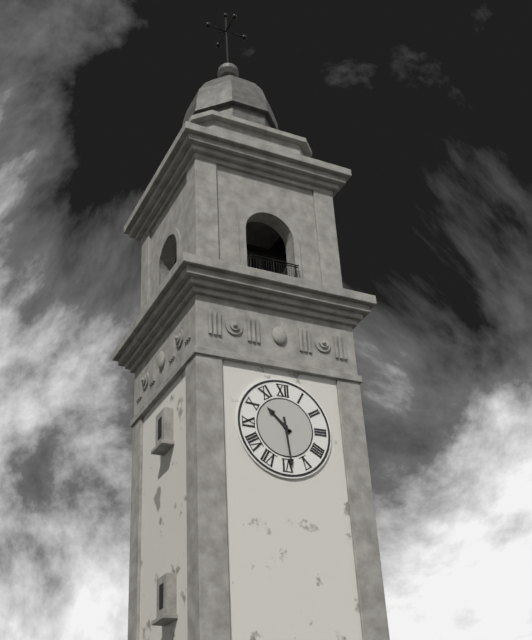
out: 10:29
